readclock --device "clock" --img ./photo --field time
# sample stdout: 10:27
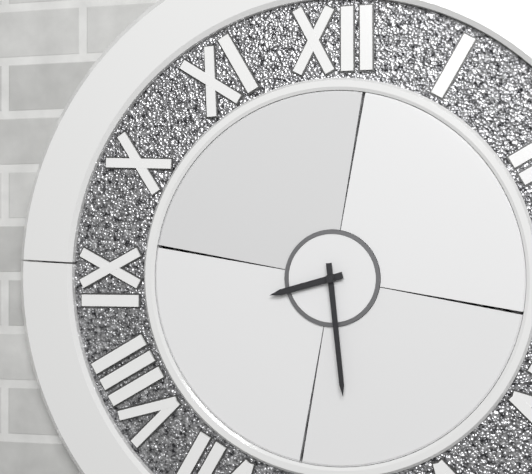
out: 8:29
